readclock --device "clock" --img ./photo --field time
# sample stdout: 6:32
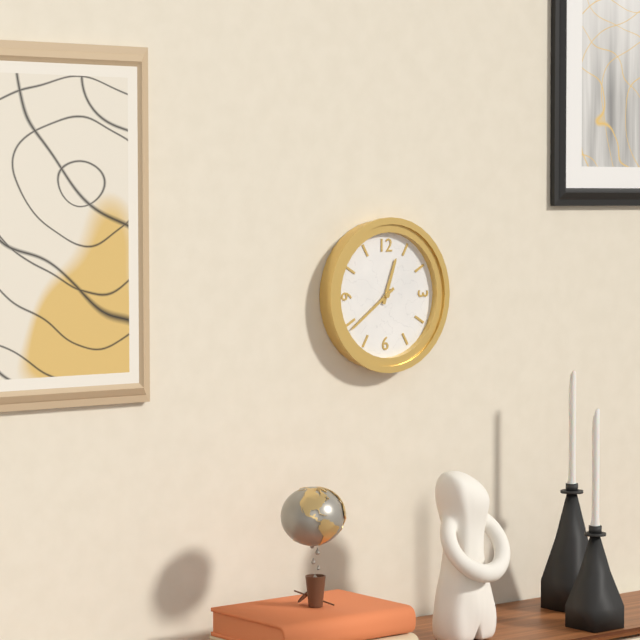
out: 12:39
